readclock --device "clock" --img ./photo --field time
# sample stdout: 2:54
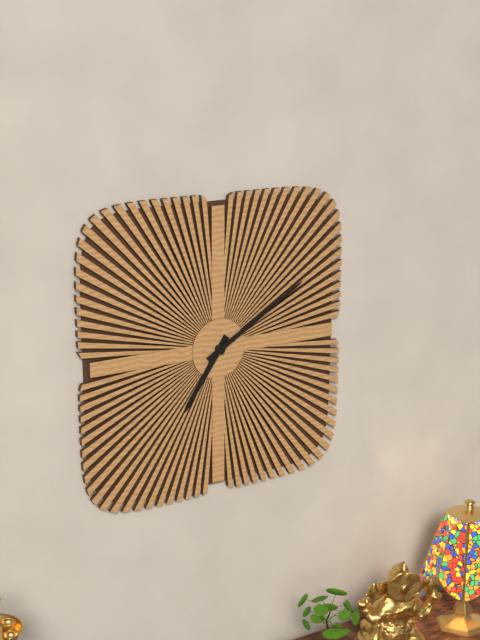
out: 7:10
